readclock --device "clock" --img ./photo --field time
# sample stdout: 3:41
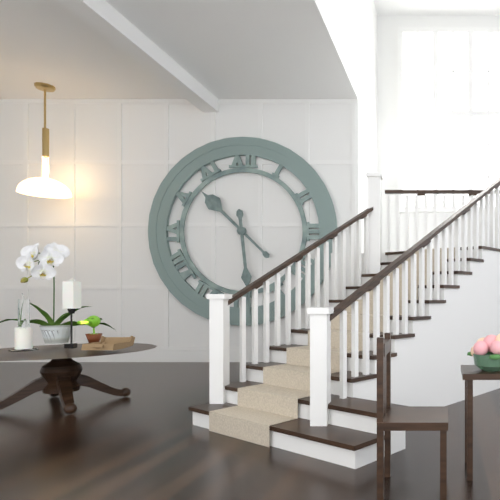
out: 10:29
